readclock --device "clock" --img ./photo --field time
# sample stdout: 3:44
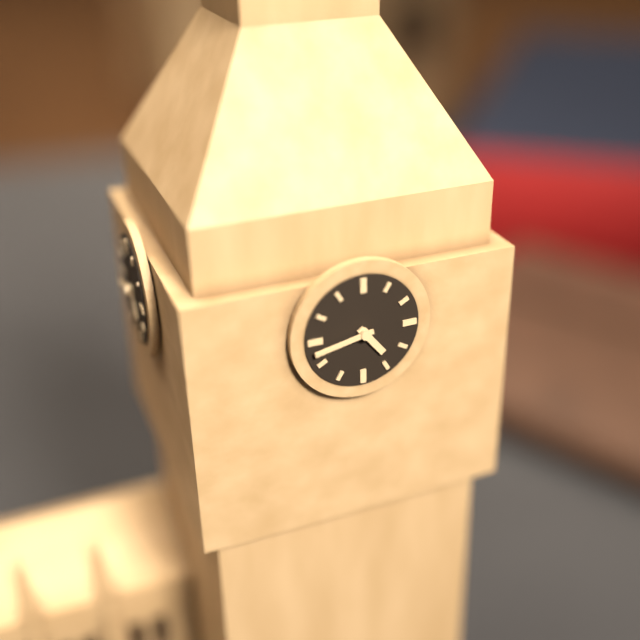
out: 4:43
